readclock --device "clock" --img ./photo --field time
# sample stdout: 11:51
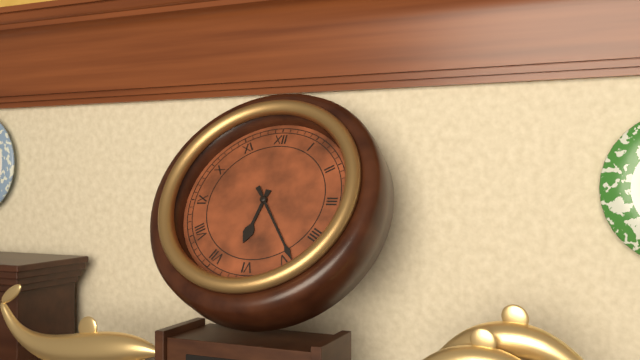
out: 6:24
